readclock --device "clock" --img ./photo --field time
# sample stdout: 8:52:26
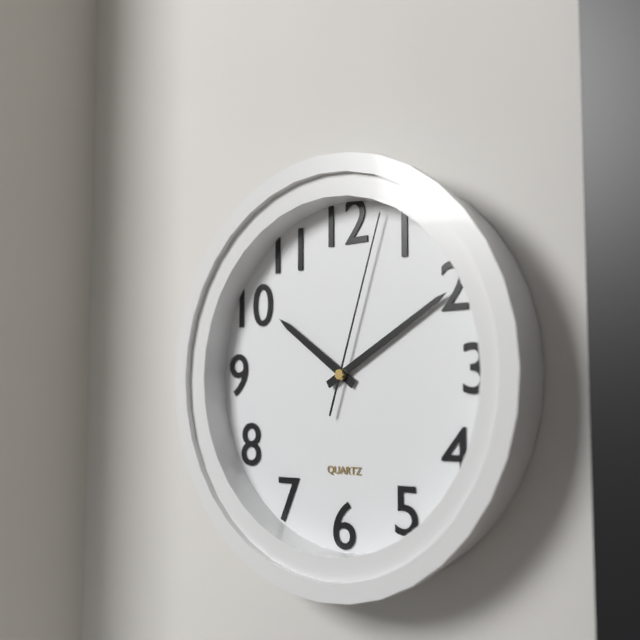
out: 10:10:03
